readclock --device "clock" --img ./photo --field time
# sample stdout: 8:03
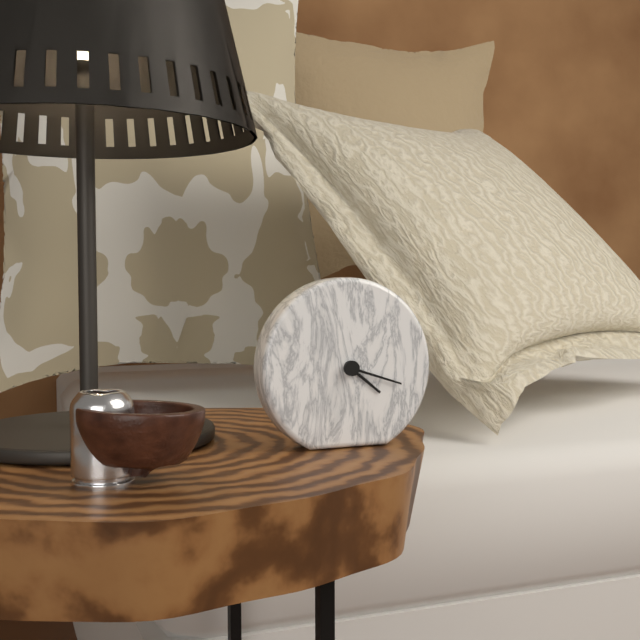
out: 4:18
